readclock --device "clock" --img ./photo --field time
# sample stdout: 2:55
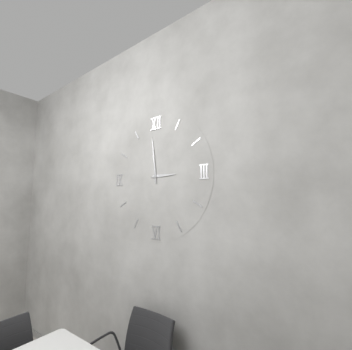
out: 2:59
